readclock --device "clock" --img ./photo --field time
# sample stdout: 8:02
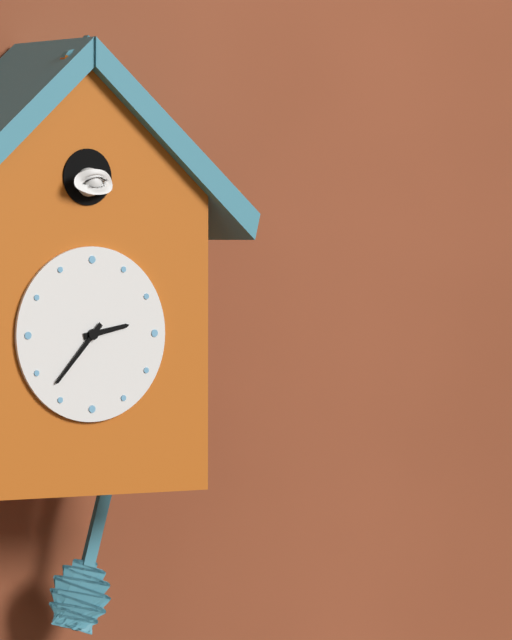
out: 2:37
